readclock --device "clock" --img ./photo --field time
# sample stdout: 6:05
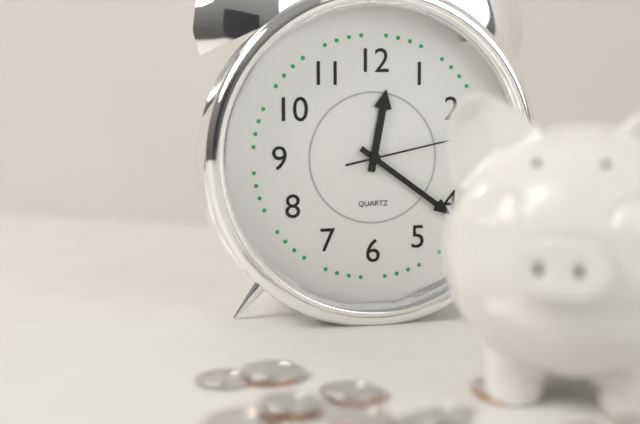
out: 12:21
